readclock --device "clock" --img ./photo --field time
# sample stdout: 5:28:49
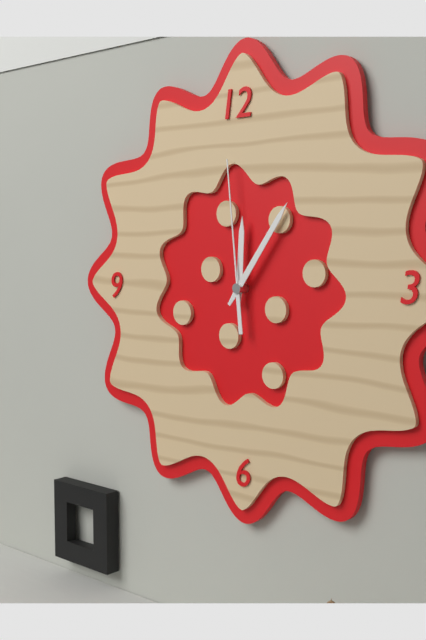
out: 12:06:59
